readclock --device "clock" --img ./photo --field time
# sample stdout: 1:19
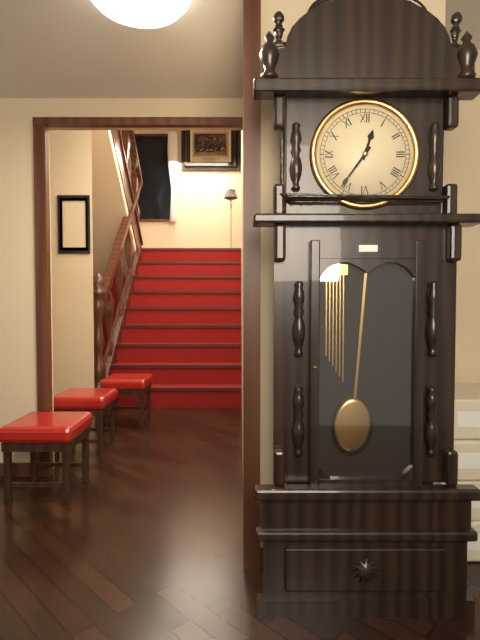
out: 12:36
